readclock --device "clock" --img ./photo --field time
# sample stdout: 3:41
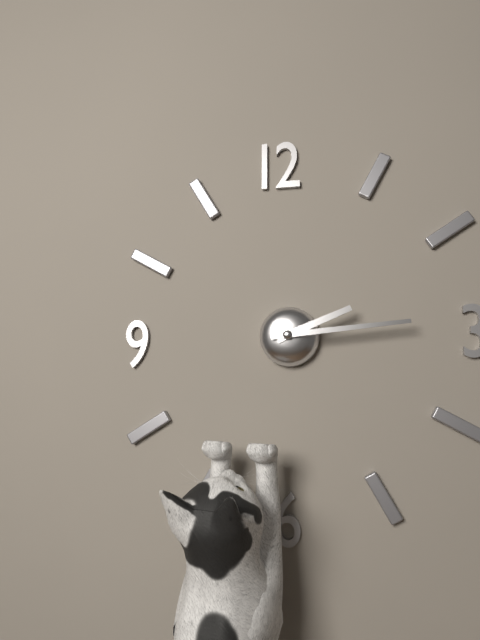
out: 2:14
